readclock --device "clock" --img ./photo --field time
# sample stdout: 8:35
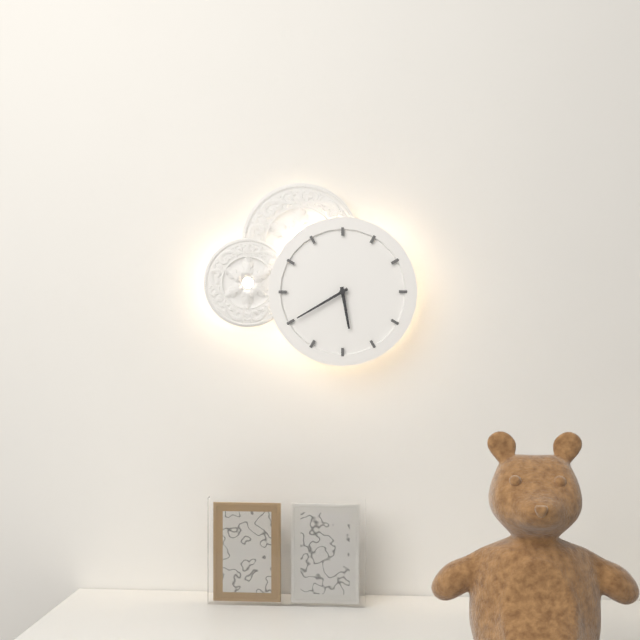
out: 5:40
